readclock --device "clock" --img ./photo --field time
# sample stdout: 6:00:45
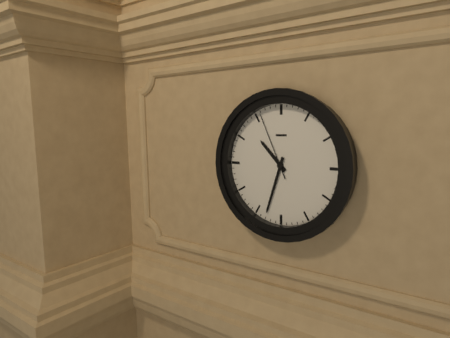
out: 10:33:56
